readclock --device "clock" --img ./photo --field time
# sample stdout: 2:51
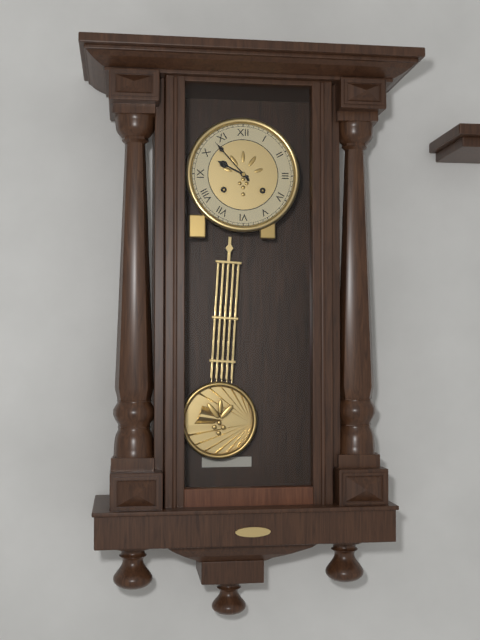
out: 9:53
